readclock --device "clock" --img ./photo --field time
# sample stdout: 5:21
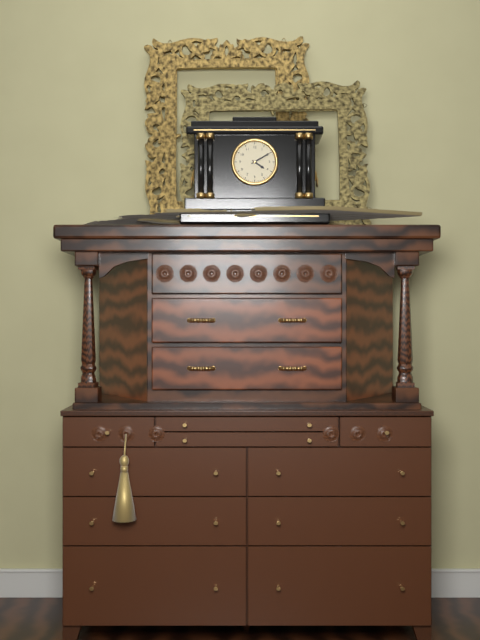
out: 4:10
